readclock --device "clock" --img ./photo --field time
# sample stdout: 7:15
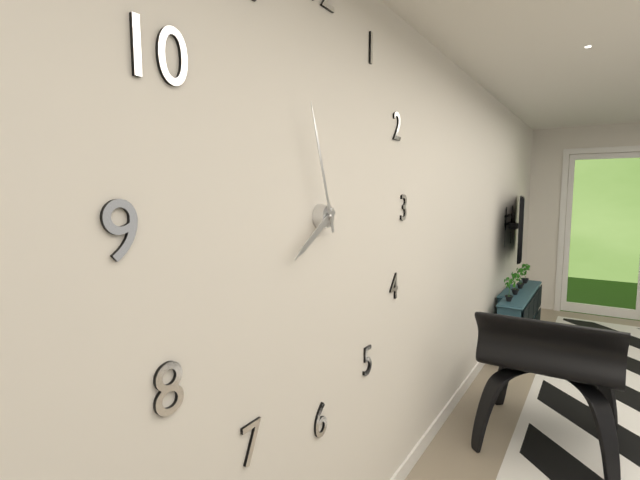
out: 7:57
